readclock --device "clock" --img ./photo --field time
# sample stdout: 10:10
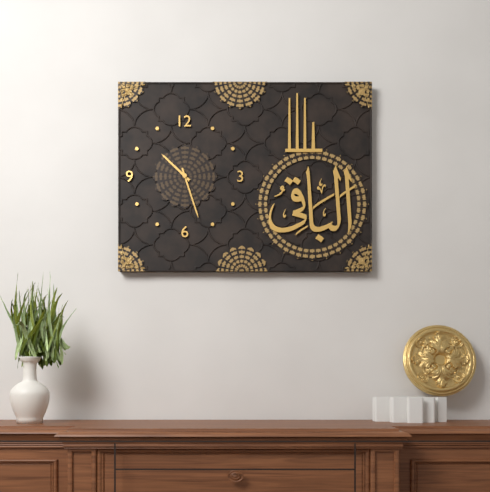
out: 10:27
